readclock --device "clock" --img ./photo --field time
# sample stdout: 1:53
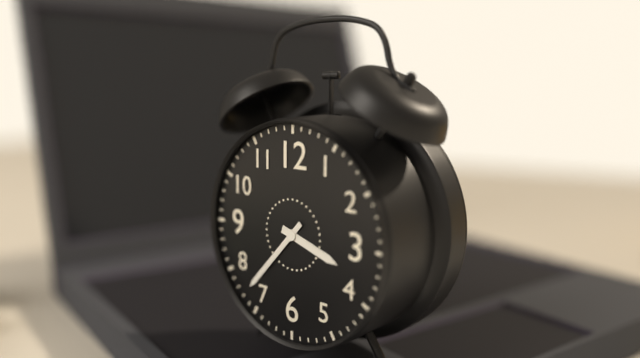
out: 3:37
